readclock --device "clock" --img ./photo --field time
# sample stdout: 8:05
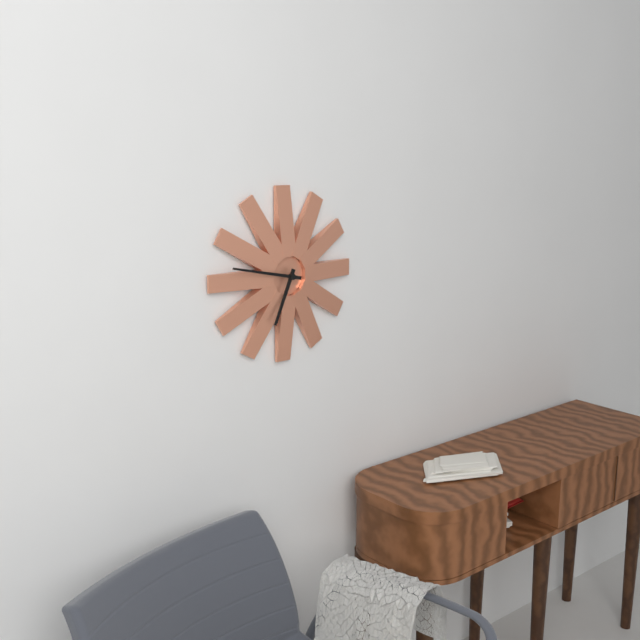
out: 6:47
